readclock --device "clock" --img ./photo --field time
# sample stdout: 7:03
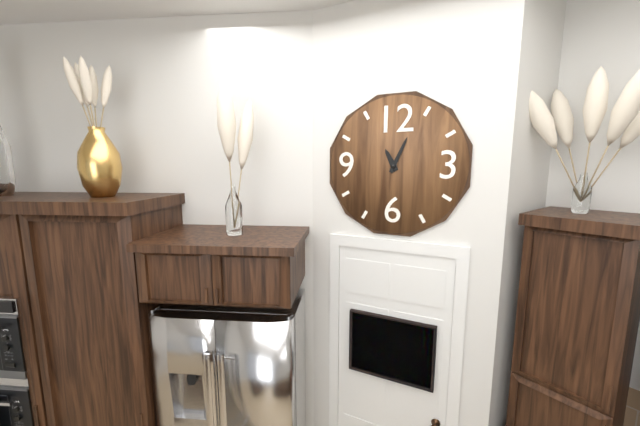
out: 11:04
